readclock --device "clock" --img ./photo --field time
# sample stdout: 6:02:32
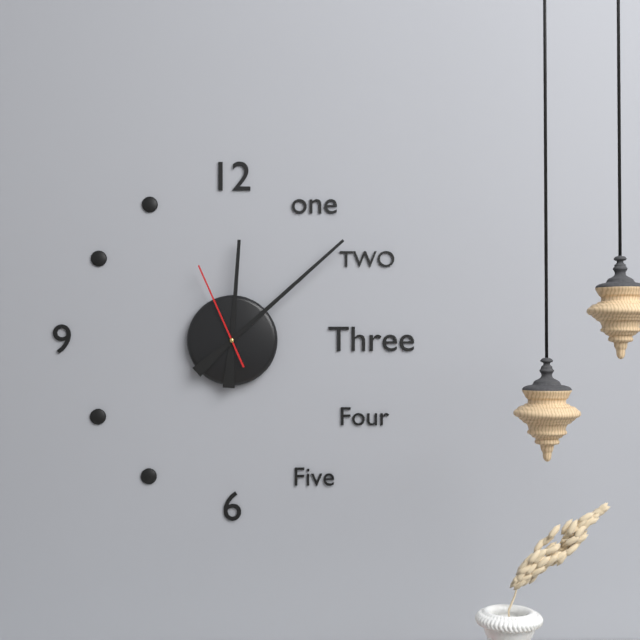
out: 12:08:56
